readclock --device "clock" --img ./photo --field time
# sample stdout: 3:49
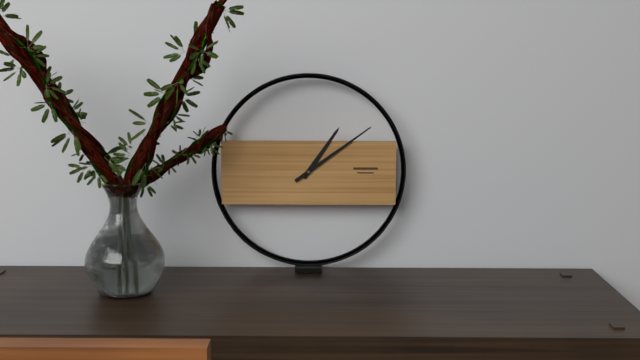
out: 1:09
